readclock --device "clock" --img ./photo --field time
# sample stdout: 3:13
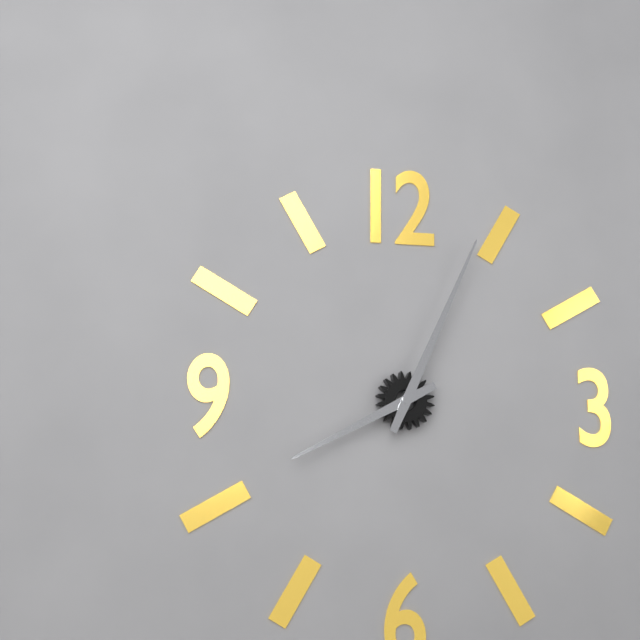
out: 8:04
